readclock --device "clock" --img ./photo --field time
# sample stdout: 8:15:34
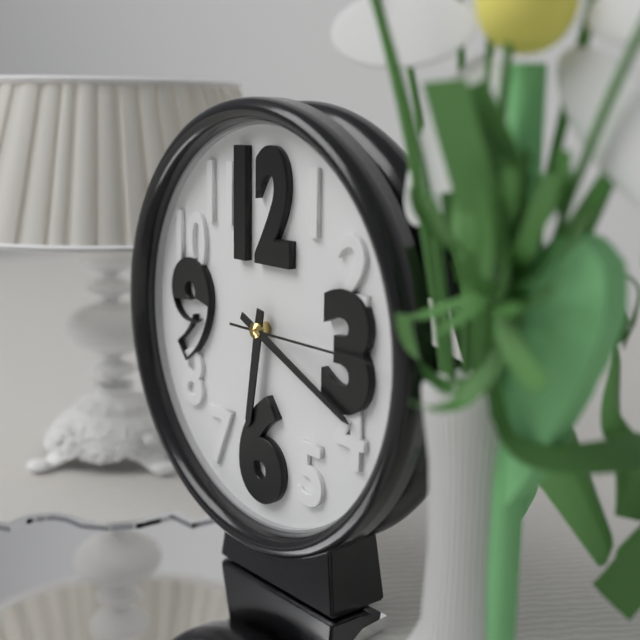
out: 6:19:15
